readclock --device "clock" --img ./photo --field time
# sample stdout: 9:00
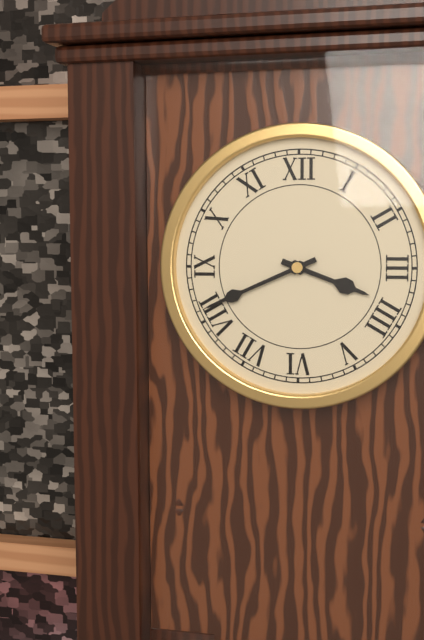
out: 3:41
